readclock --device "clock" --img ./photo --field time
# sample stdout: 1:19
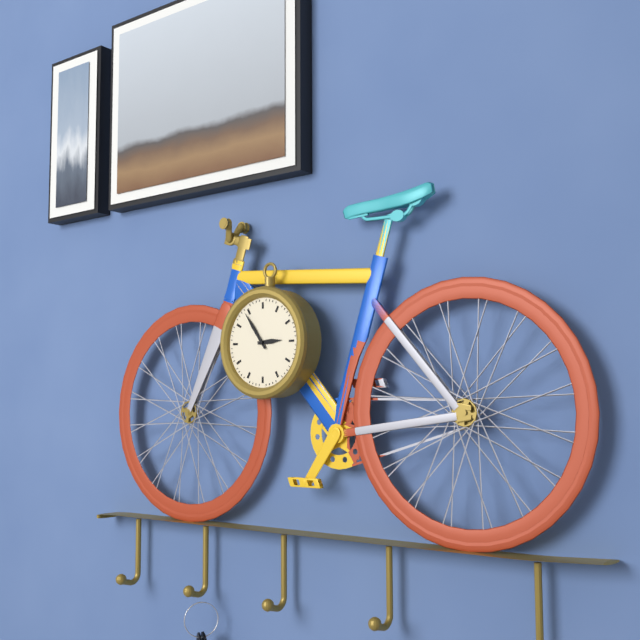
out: 2:54
